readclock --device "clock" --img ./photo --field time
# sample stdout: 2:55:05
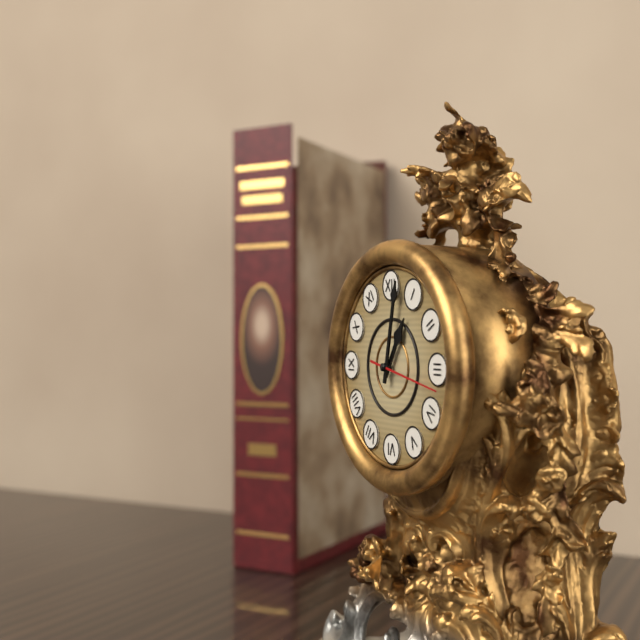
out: 1:02:17
